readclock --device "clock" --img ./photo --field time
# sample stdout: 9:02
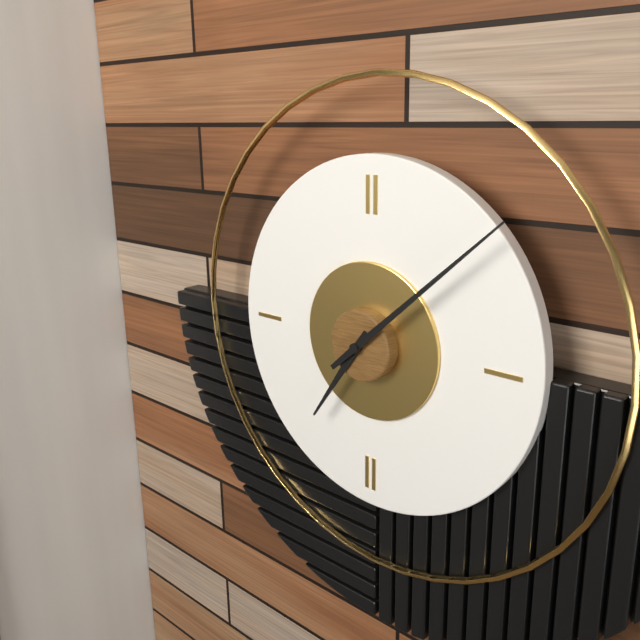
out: 7:08
